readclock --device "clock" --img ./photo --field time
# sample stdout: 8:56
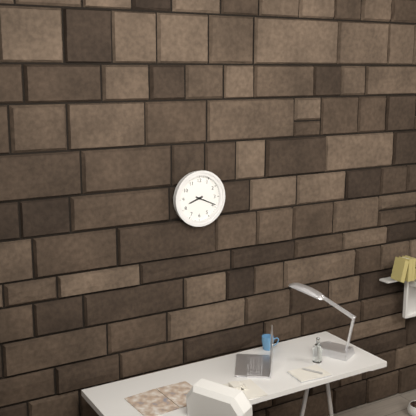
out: 8:19
